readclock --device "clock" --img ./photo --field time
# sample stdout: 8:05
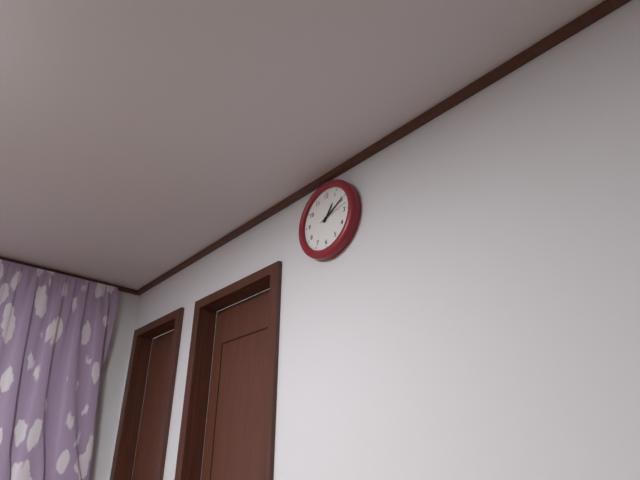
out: 1:10
